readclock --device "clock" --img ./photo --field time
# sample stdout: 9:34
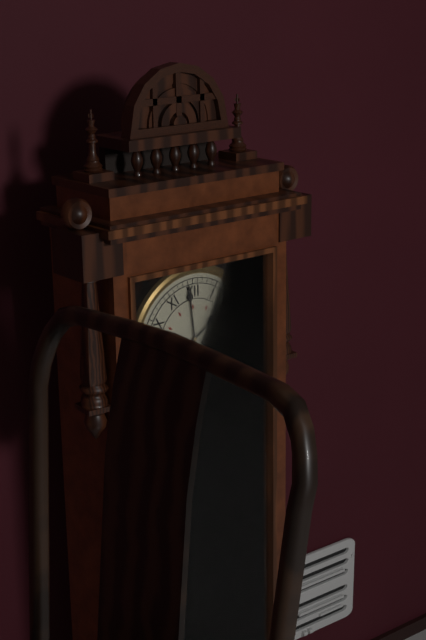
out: 1:59
